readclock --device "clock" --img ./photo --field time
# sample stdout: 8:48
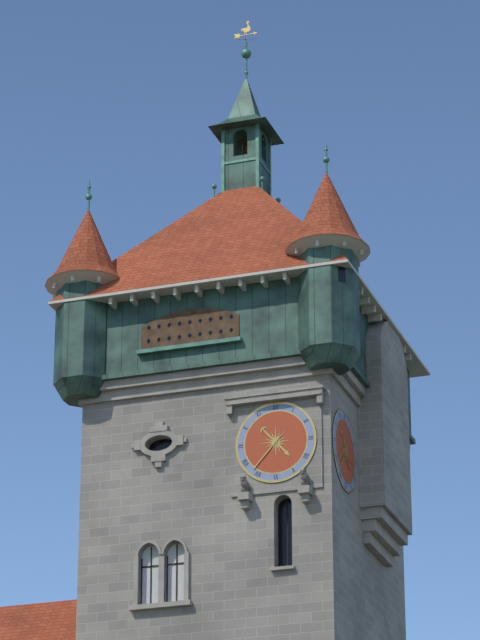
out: 4:37
